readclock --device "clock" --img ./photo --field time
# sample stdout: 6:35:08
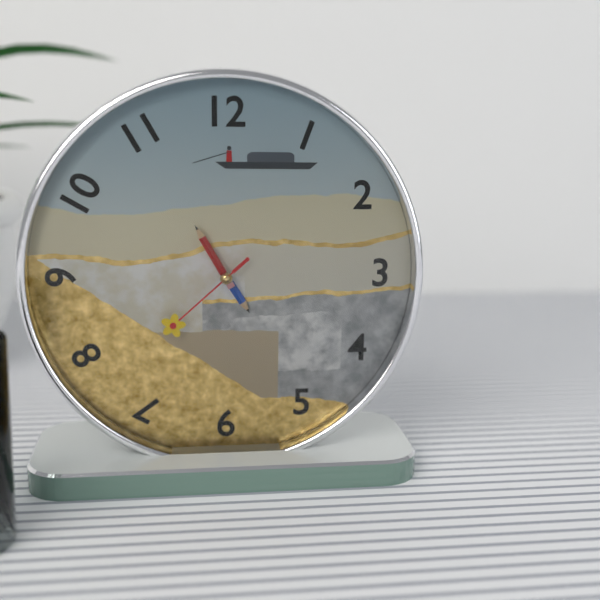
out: 4:55:38
